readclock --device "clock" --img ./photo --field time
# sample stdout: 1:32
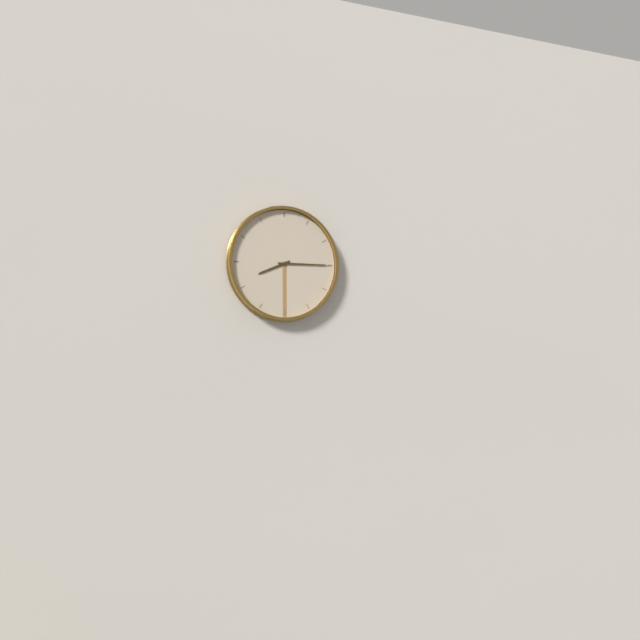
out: 8:15
